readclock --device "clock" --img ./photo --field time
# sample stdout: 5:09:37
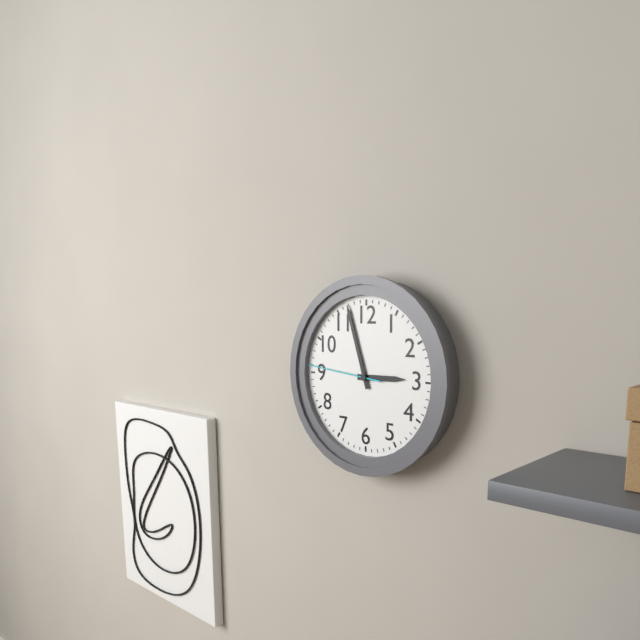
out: 2:57:46
